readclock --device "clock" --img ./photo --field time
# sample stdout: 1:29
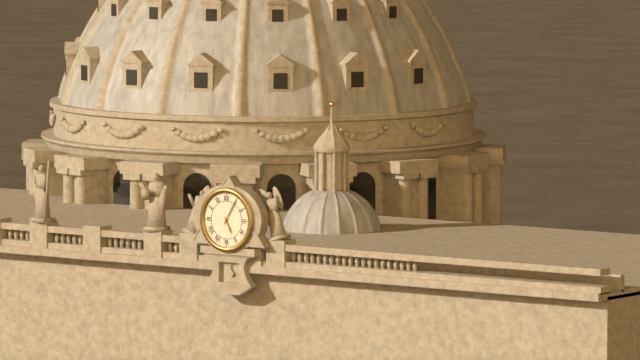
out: 5:05
